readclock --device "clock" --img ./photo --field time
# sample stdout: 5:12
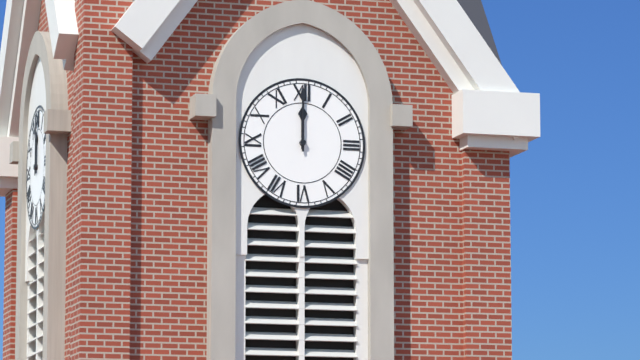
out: 12:00
